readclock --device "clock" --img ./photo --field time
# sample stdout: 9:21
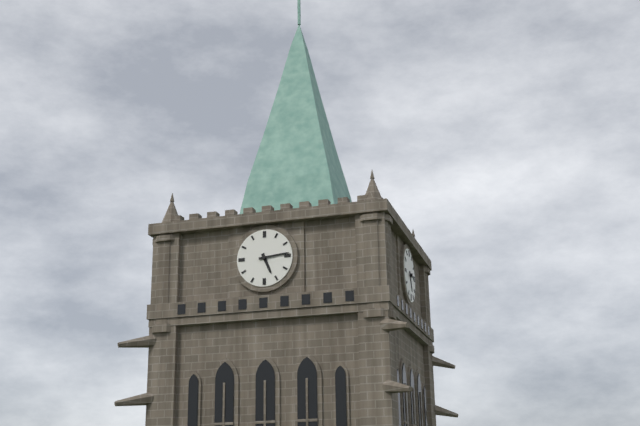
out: 5:14
